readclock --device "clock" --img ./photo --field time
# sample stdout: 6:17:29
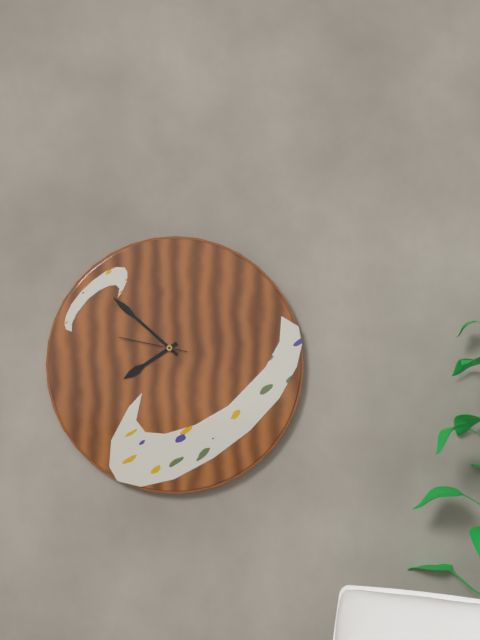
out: 7:52:47
